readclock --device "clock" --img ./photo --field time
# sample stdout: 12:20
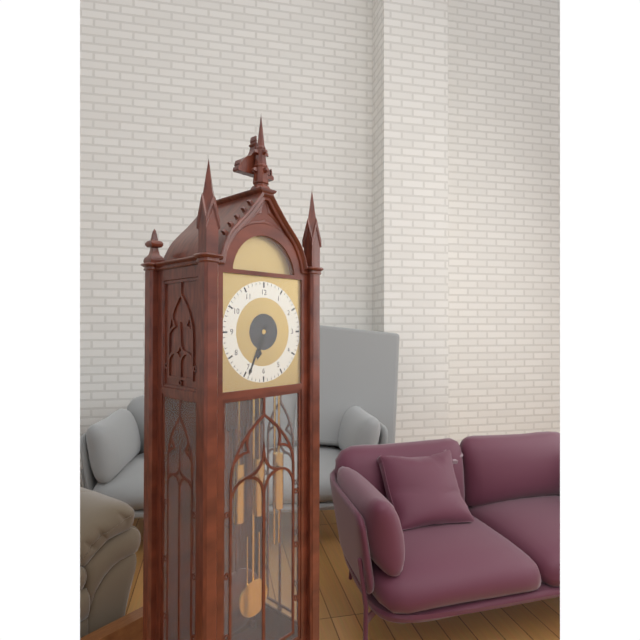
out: 6:34
